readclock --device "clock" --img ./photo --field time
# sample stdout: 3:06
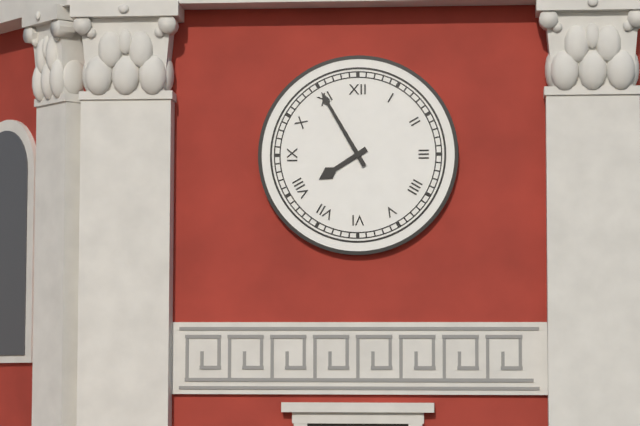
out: 7:55
